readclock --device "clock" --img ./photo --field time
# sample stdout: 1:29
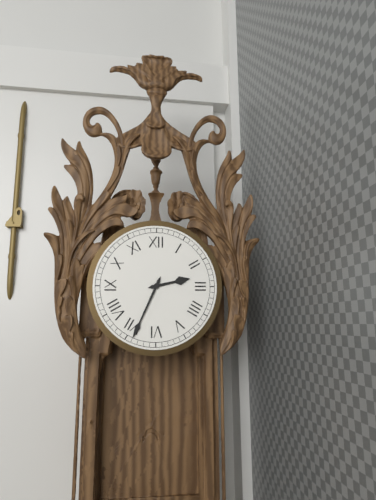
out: 2:34
